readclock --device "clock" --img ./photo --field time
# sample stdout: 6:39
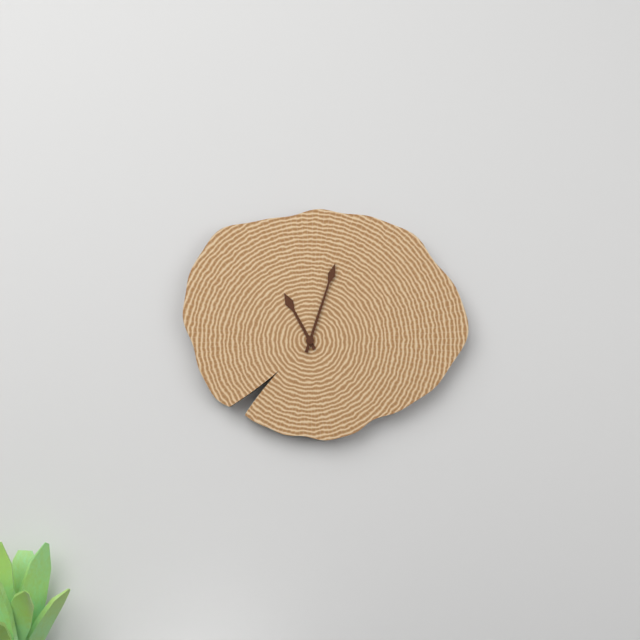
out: 11:03
